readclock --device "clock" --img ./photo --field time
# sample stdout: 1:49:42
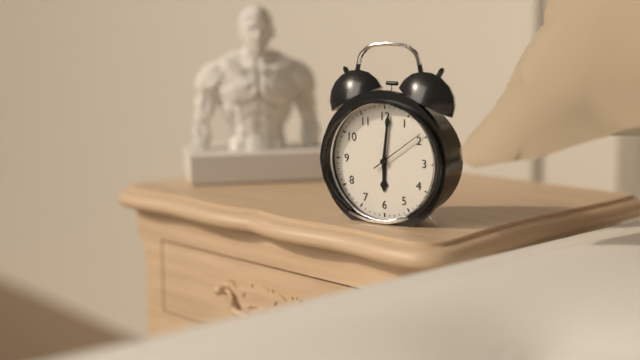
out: 6:01:09
